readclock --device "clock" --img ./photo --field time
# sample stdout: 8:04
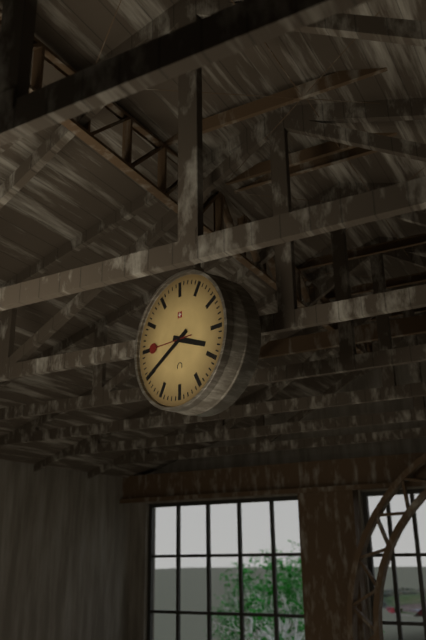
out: 3:40
